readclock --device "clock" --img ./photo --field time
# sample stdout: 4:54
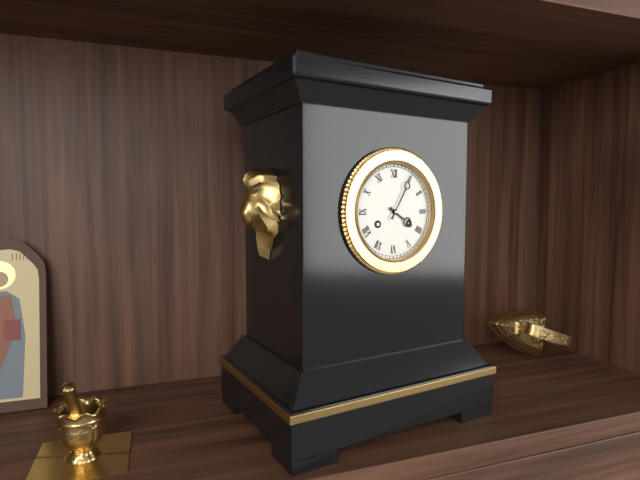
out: 4:05
